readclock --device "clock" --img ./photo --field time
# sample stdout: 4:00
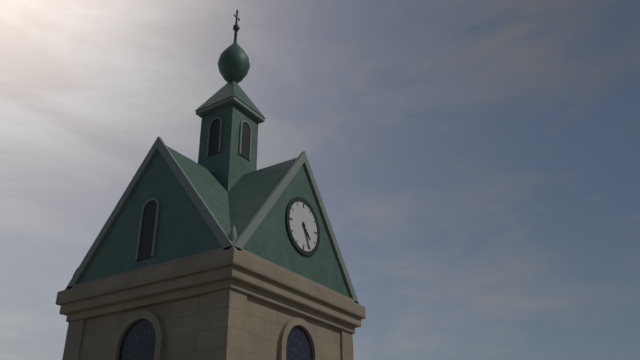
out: 4:26
